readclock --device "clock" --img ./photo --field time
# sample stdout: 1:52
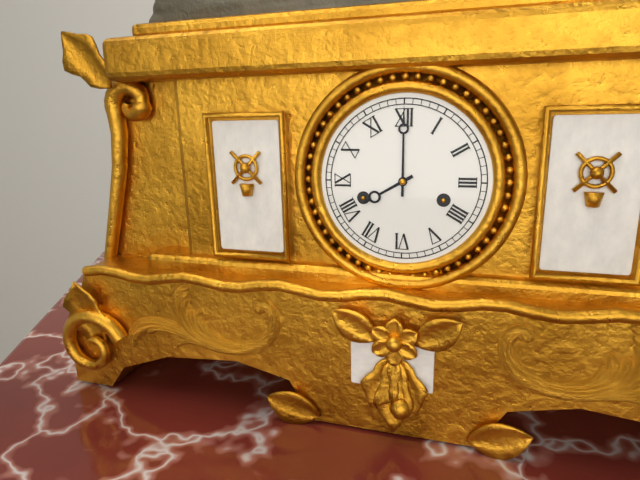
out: 8:00
